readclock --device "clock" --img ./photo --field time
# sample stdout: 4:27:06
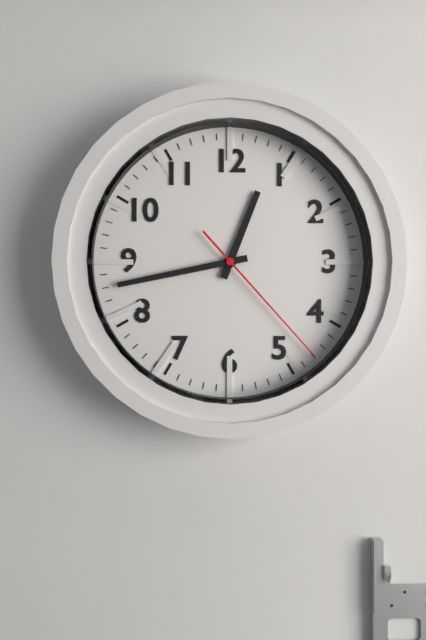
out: 12:43:23
